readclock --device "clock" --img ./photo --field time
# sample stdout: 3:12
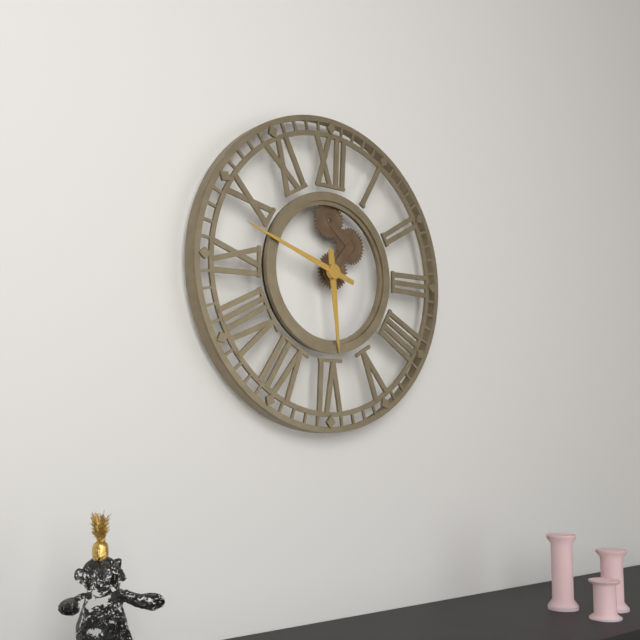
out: 5:48
